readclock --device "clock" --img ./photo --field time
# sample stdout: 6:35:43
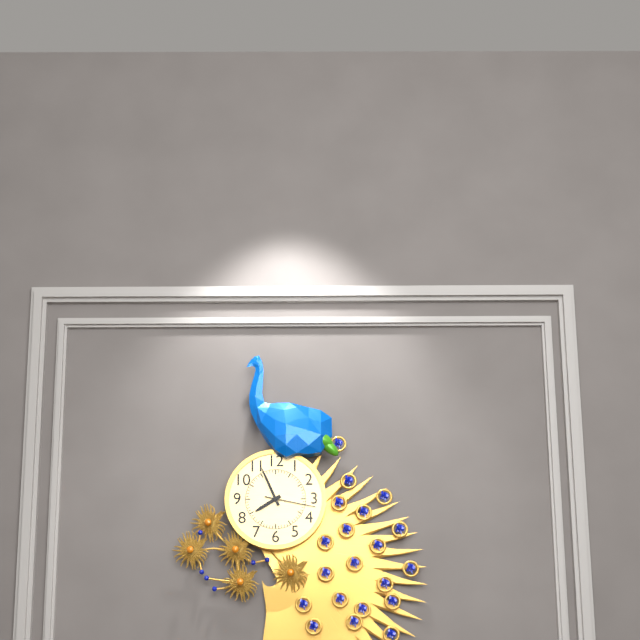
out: 7:56:17
